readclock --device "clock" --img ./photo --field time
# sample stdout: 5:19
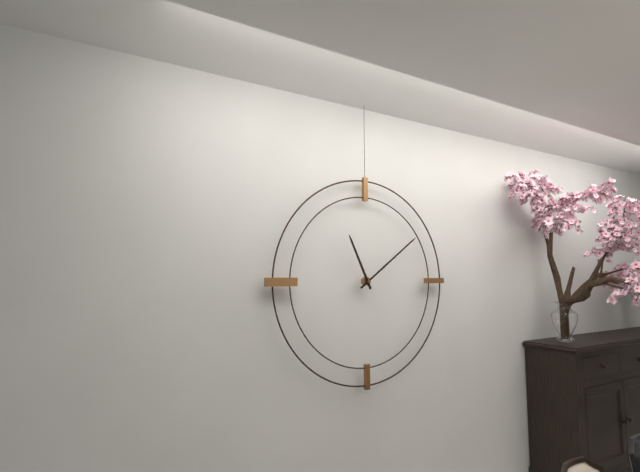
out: 11:09
